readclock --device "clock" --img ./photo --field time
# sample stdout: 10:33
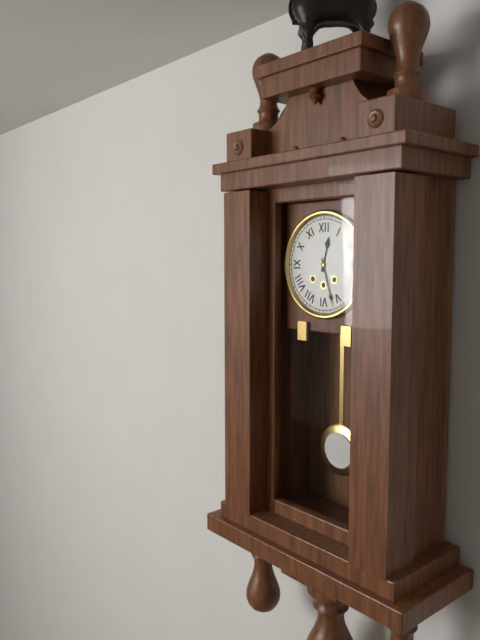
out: 12:27
